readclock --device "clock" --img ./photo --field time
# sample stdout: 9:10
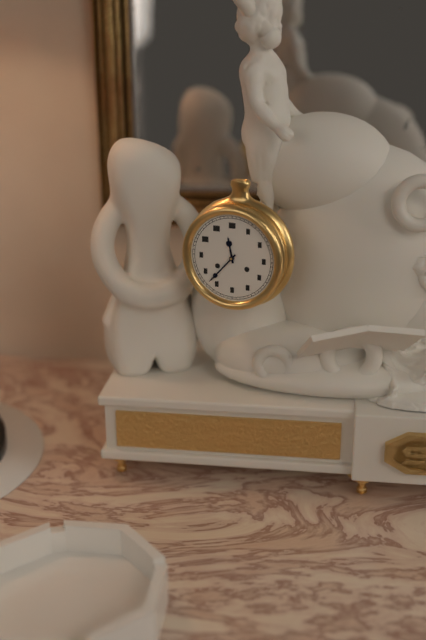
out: 11:37
